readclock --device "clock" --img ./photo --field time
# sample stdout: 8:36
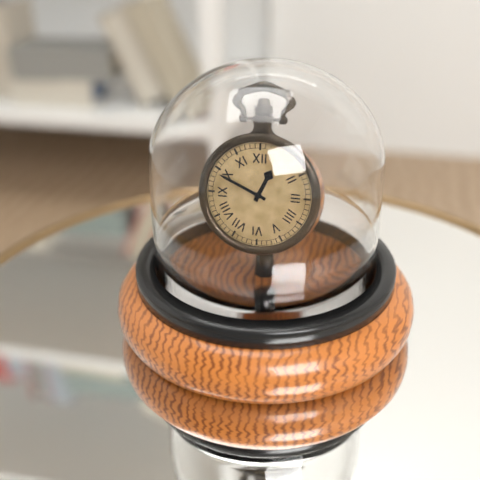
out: 12:49
